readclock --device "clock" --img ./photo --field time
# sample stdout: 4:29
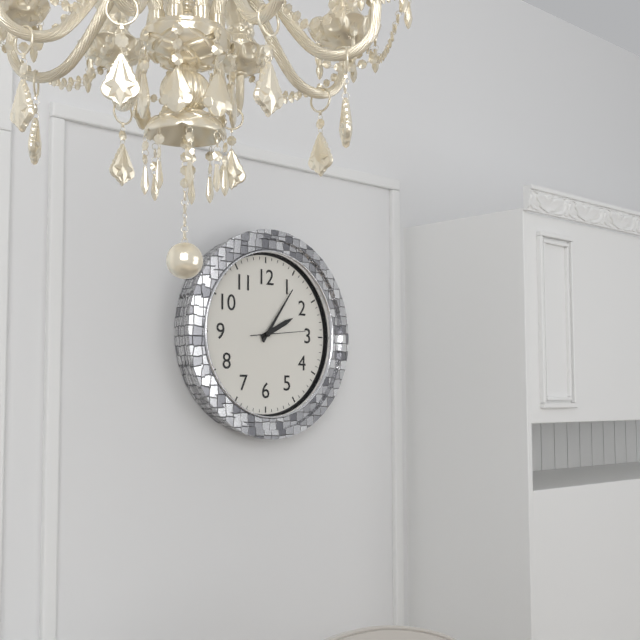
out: 2:06
